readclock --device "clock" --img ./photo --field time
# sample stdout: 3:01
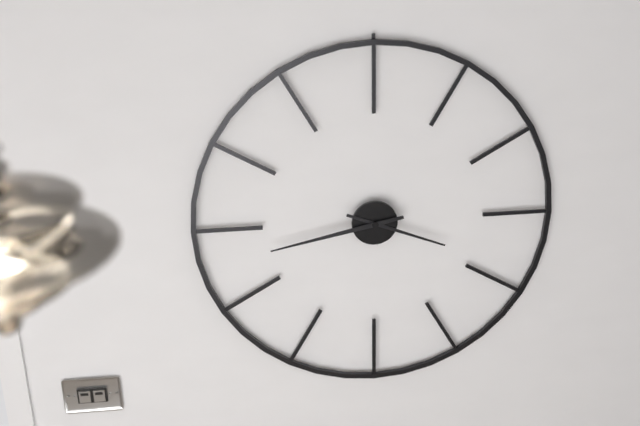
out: 3:43
